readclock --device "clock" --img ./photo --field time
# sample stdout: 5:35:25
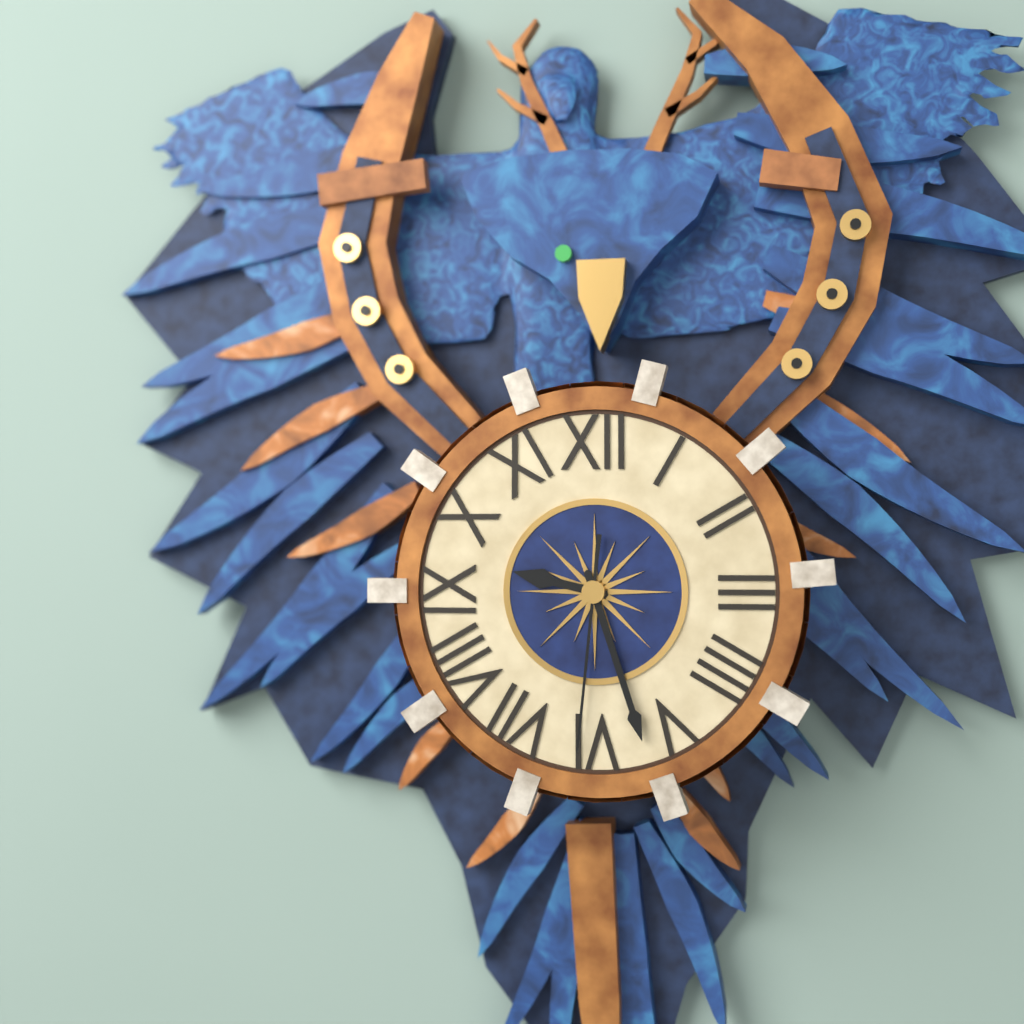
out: 9:27:31
